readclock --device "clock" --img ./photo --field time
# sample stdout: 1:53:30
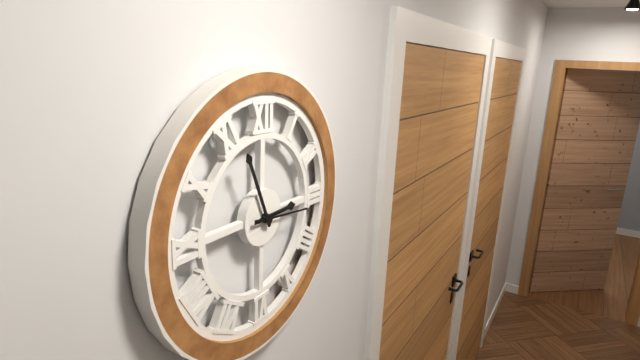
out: 2:56:16
